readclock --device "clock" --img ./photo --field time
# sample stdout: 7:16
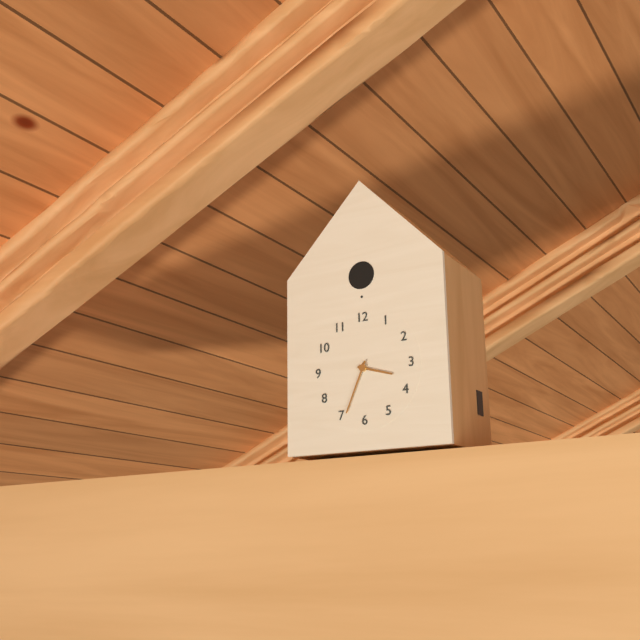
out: 3:34
